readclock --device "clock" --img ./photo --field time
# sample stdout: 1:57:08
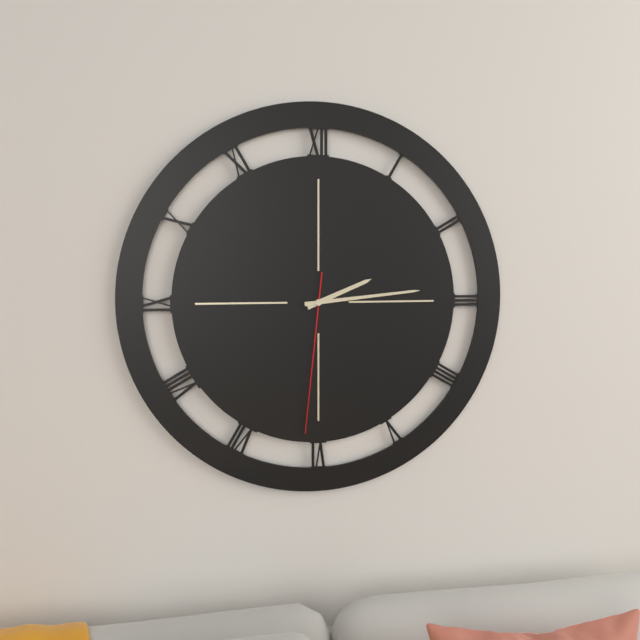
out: 2:14:31
